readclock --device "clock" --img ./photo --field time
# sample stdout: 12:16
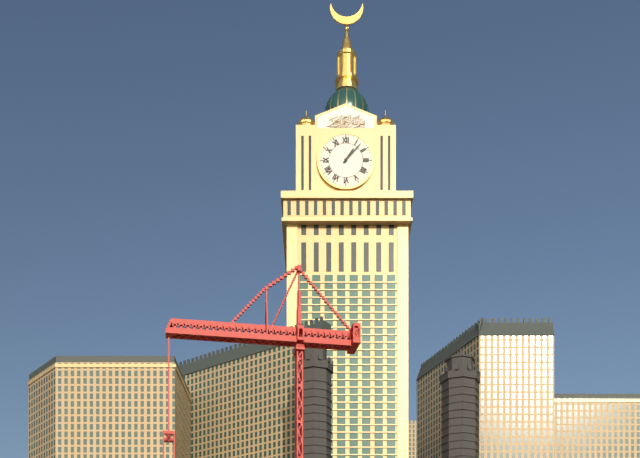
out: 1:07
